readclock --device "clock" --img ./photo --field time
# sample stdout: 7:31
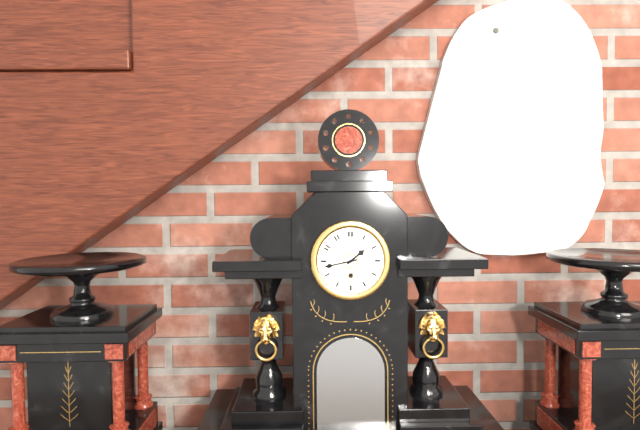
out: 1:43
